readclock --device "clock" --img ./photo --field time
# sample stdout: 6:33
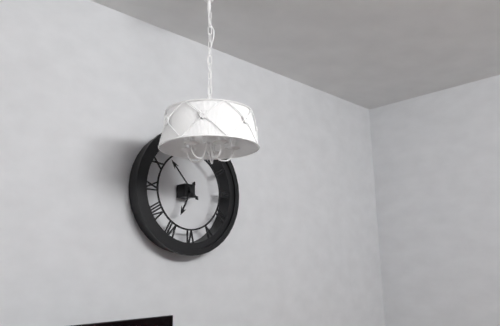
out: 6:53
